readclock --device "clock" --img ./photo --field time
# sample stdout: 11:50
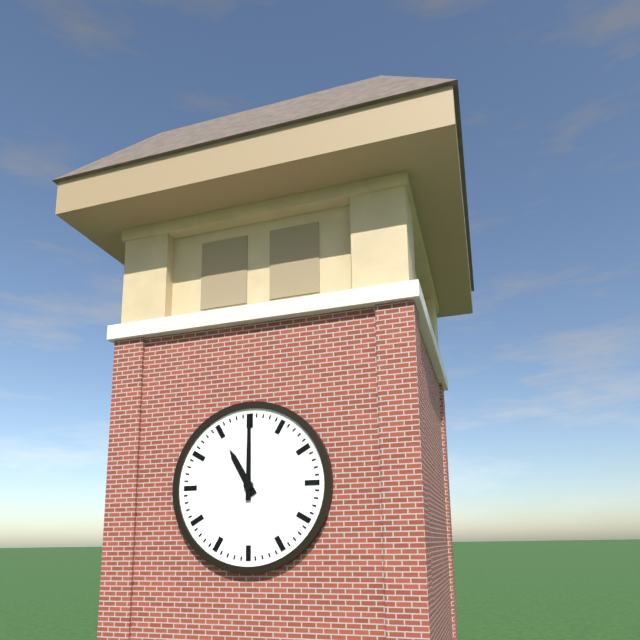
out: 11:00
